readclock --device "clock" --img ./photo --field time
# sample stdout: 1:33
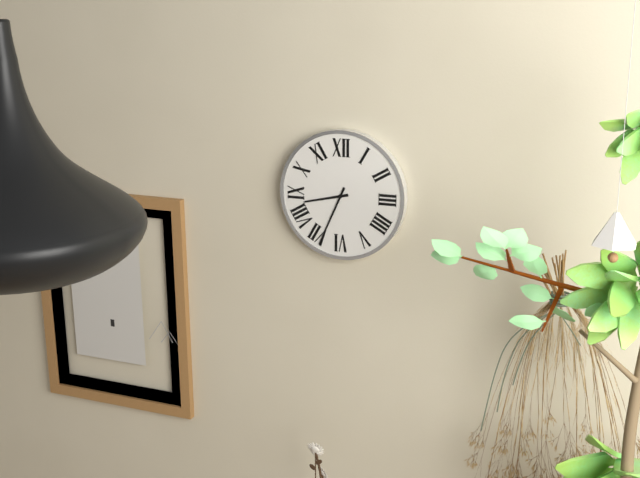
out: 8:34
